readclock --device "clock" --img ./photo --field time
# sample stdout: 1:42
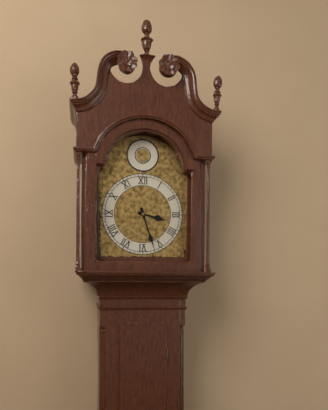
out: 3:27
